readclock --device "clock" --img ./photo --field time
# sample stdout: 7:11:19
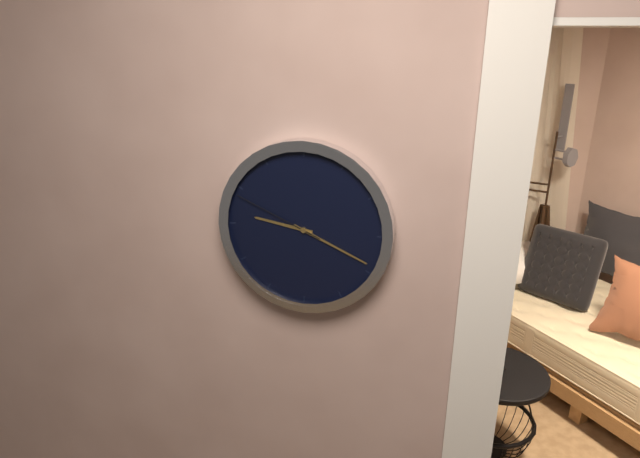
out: 9:19:49
